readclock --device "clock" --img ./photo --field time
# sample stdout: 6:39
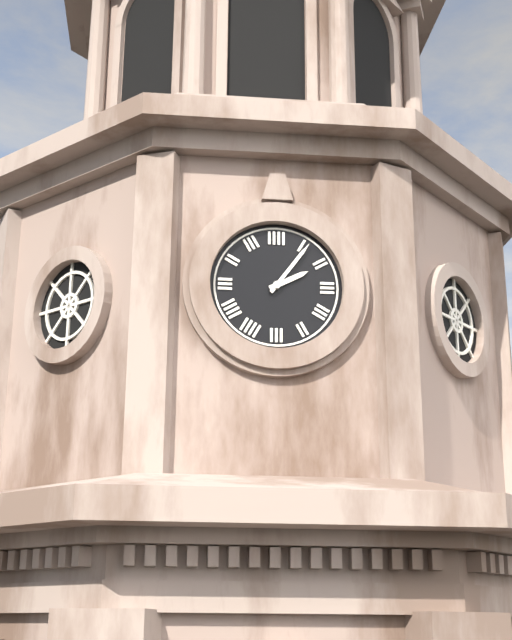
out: 2:06
